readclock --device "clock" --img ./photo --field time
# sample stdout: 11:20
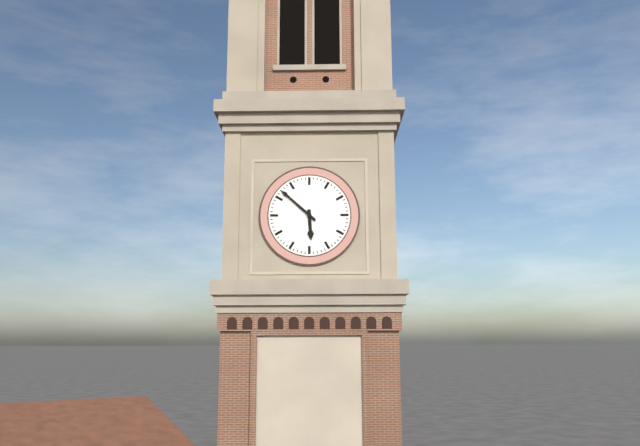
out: 5:52
